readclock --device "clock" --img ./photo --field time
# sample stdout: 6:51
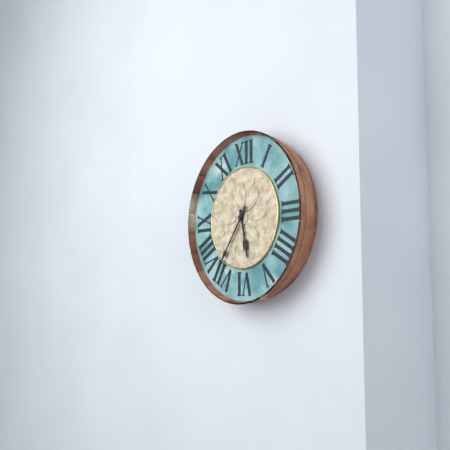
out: 5:36
